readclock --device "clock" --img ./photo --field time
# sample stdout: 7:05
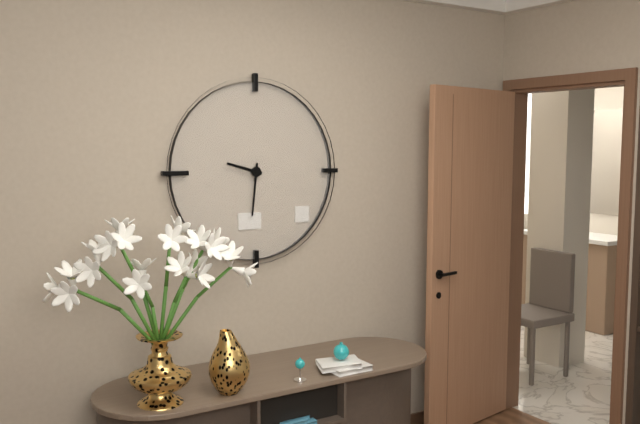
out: 9:31
